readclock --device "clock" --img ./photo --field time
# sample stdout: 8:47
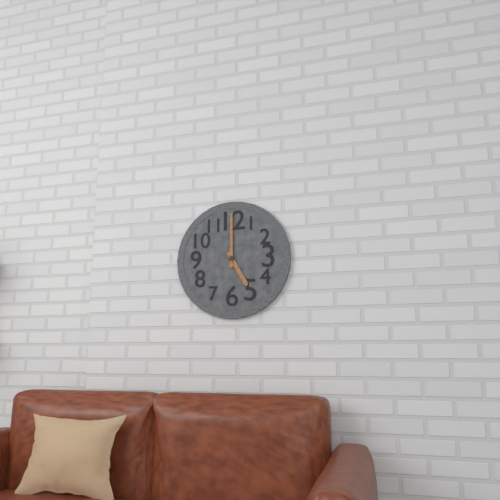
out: 5:00
